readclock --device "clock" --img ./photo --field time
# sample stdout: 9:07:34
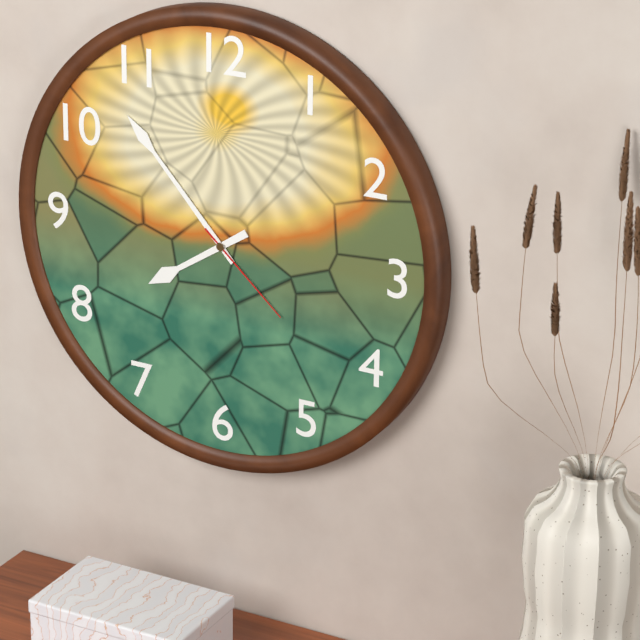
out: 7:53:22
